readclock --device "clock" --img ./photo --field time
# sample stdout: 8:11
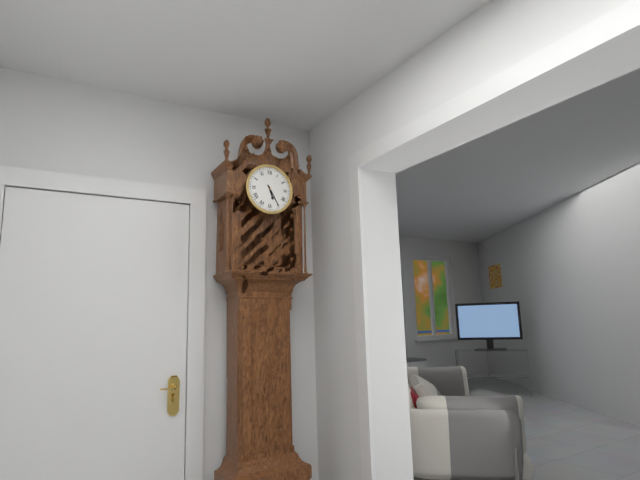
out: 5:25
